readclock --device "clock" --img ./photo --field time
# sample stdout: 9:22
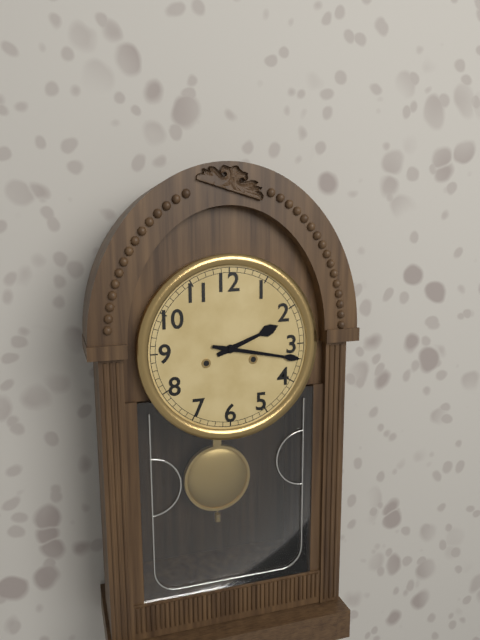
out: 2:17
